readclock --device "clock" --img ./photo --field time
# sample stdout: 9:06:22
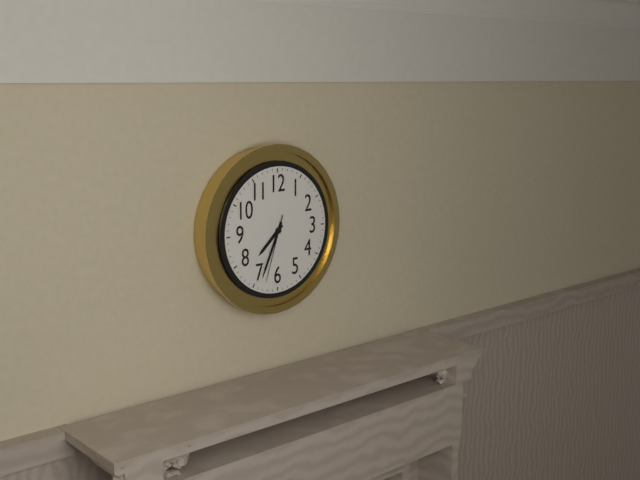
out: 7:34:33
